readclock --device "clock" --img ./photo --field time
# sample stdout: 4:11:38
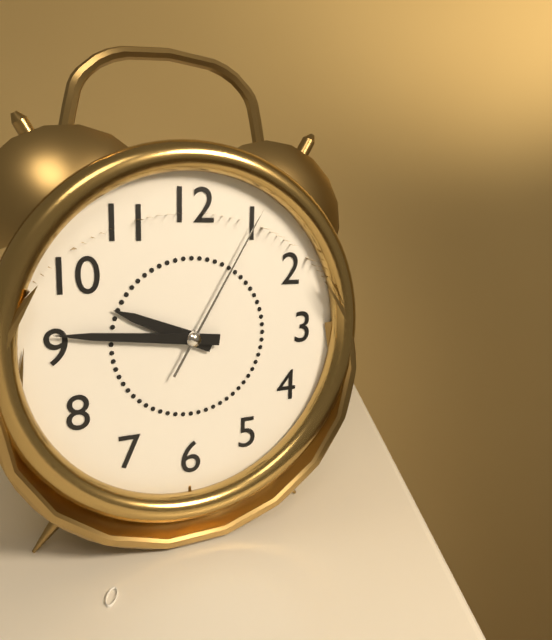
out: 9:46:05
